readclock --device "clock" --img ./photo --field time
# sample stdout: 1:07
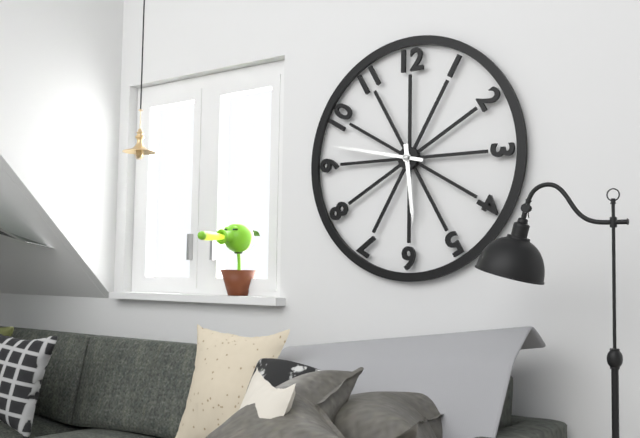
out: 5:47
